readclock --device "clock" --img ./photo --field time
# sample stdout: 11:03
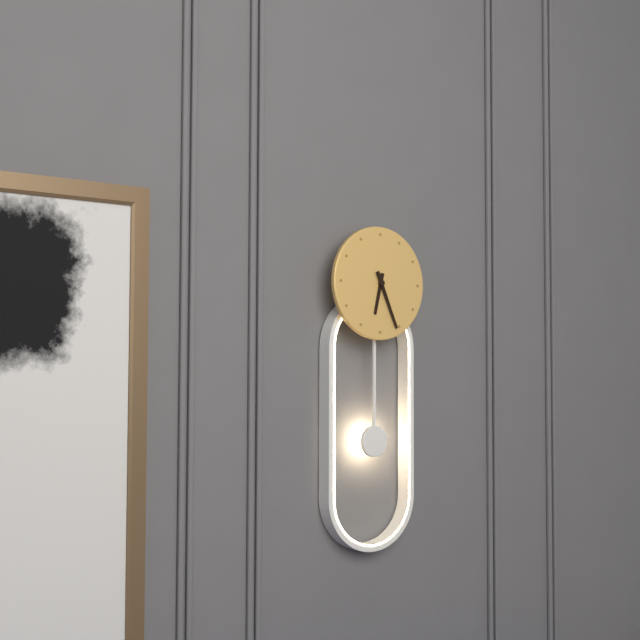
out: 6:26
